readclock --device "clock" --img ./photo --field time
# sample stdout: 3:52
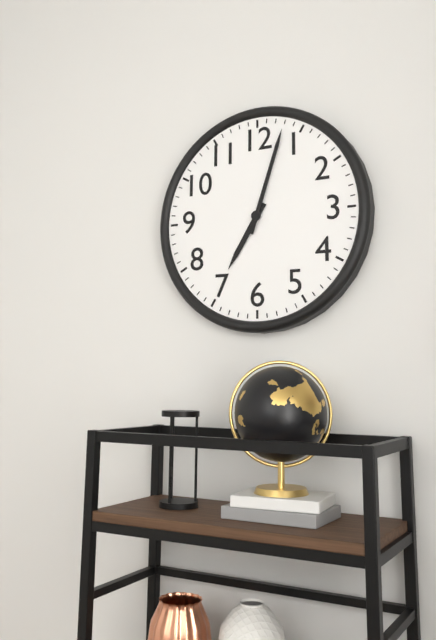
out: 7:03
